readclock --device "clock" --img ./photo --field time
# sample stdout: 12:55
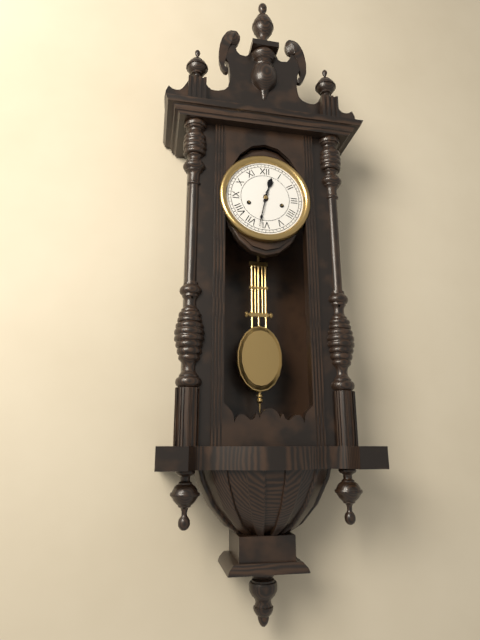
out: 12:32
